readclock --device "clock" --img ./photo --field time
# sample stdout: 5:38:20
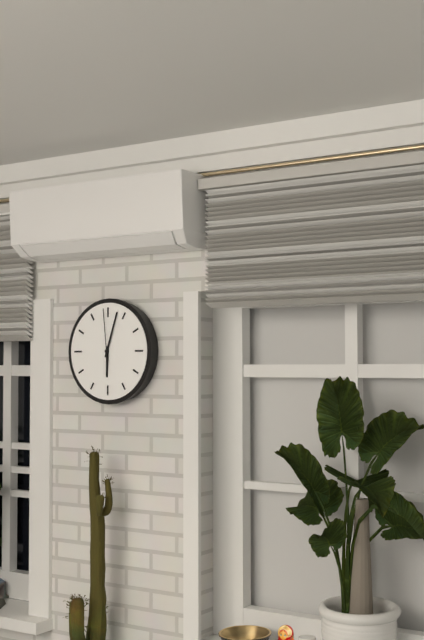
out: 6:03:59
